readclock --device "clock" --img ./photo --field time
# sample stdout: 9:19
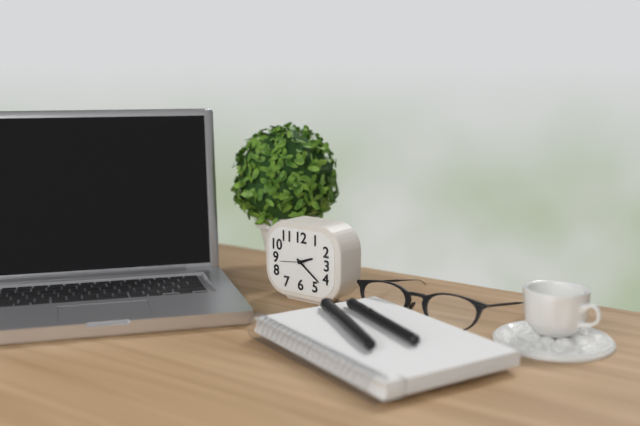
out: 2:21
